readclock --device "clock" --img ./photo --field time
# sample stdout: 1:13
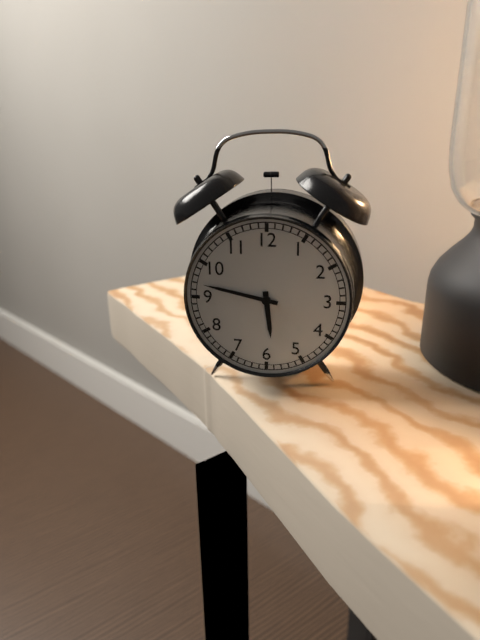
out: 5:47
